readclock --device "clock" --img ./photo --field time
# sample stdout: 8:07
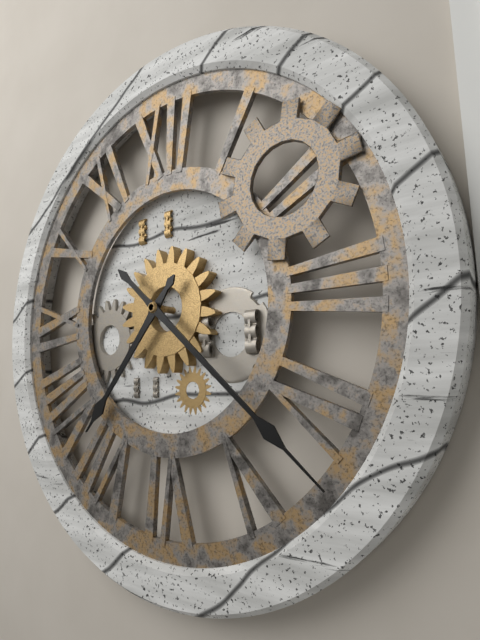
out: 7:22
